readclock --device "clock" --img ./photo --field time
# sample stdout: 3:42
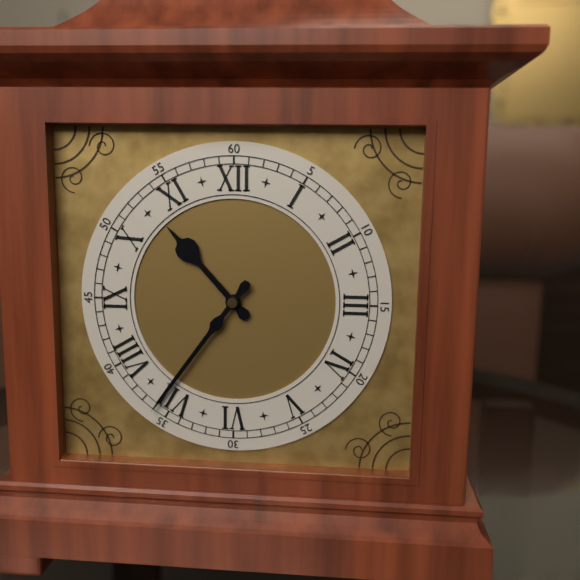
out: 10:36
